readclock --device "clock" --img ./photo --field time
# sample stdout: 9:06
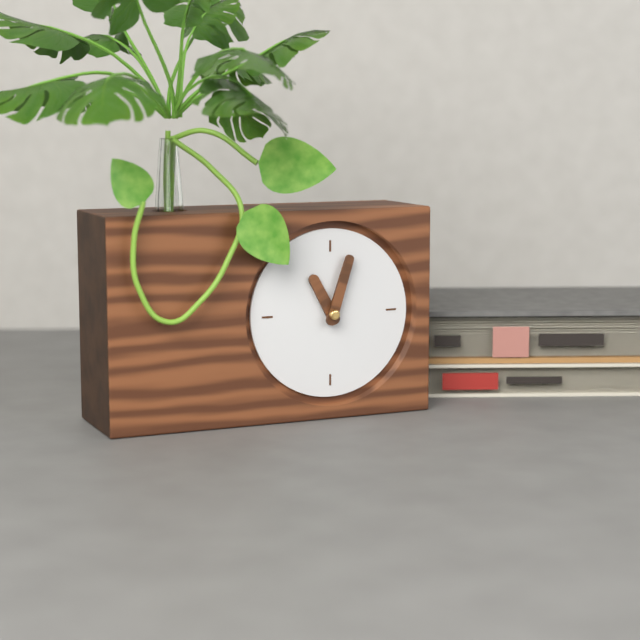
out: 11:03
